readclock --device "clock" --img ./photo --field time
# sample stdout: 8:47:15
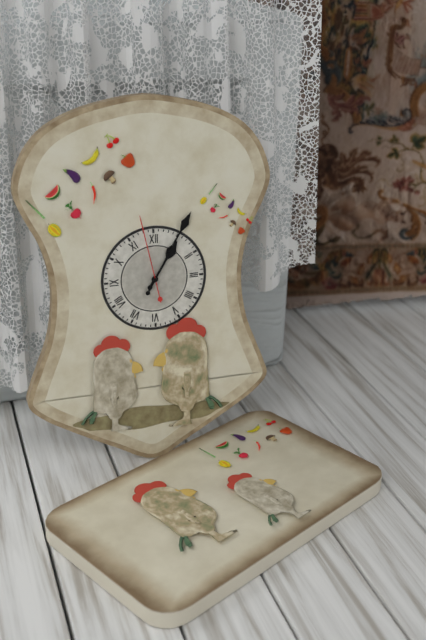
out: 1:05:58
